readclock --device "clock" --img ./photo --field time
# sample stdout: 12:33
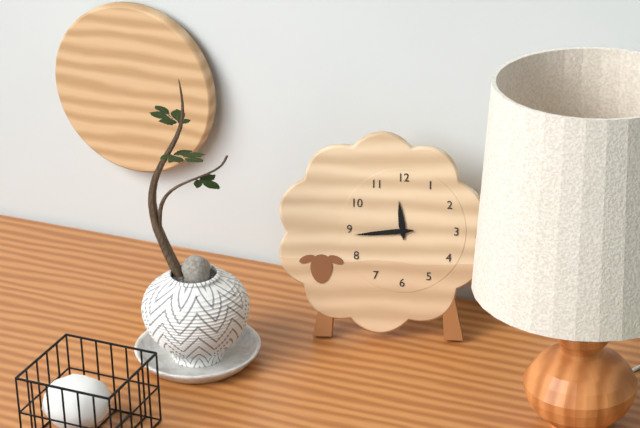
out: 11:44
